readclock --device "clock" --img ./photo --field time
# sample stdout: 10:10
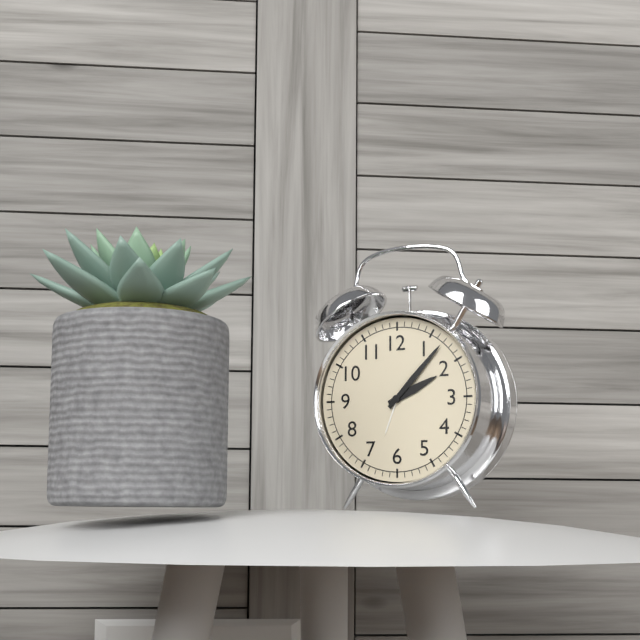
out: 2:07
